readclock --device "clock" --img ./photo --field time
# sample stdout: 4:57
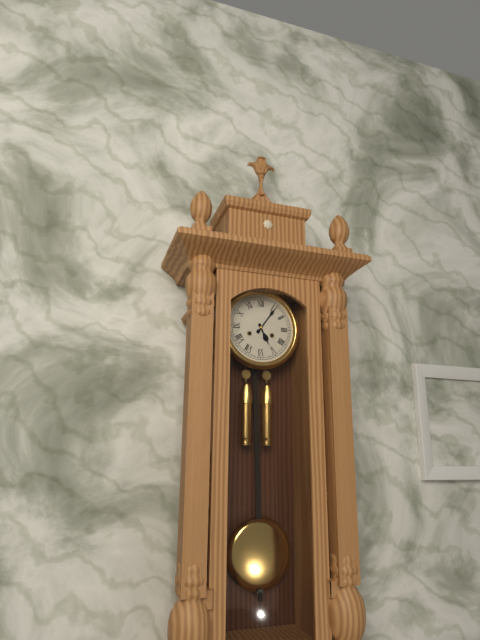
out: 5:06
